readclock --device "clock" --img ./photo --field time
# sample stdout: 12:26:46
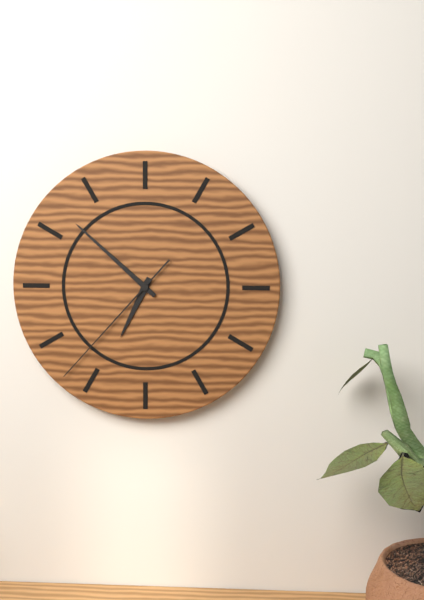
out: 6:52:37
